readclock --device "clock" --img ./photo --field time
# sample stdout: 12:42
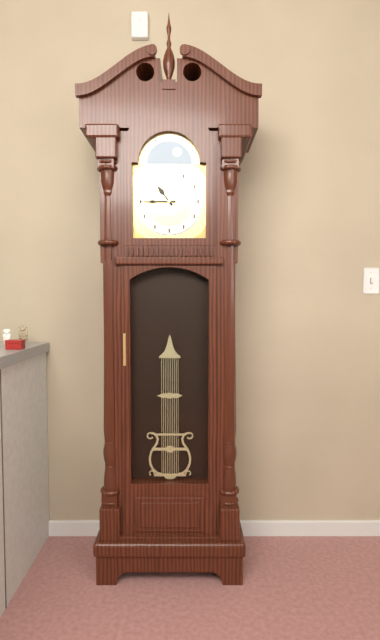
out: 10:45
